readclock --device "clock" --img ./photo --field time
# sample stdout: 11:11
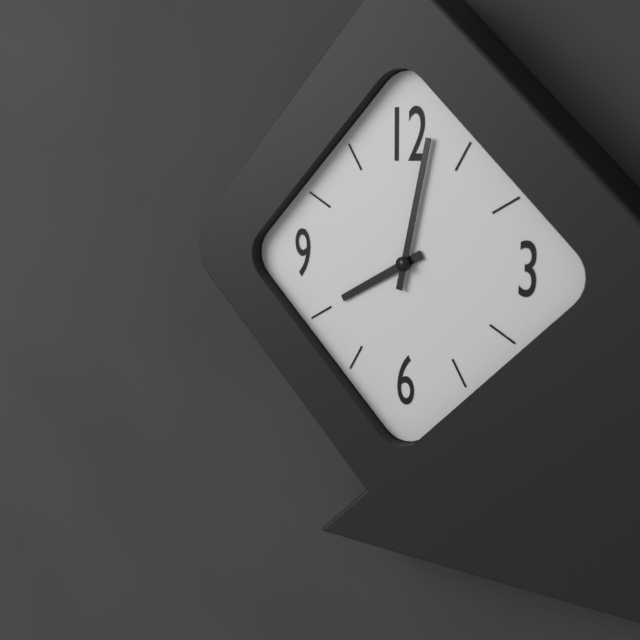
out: 8:02
